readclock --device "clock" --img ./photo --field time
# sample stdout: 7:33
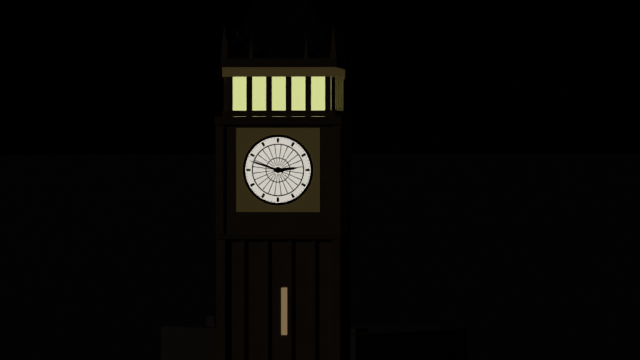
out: 2:48
